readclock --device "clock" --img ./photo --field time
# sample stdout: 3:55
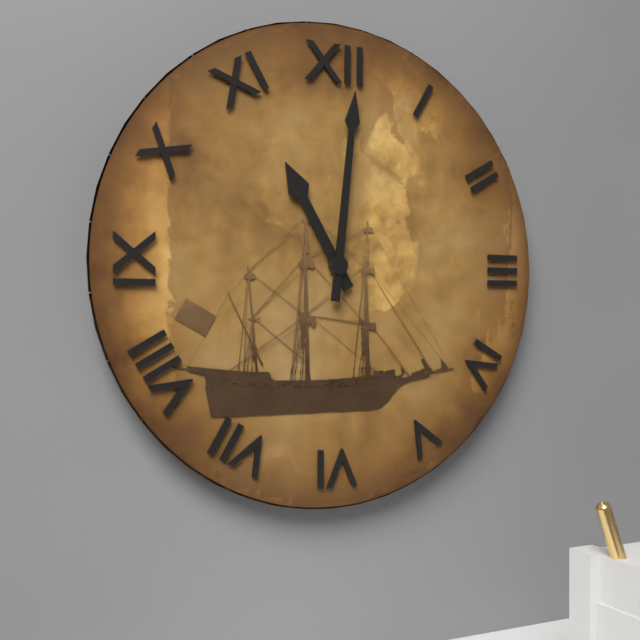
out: 11:01
